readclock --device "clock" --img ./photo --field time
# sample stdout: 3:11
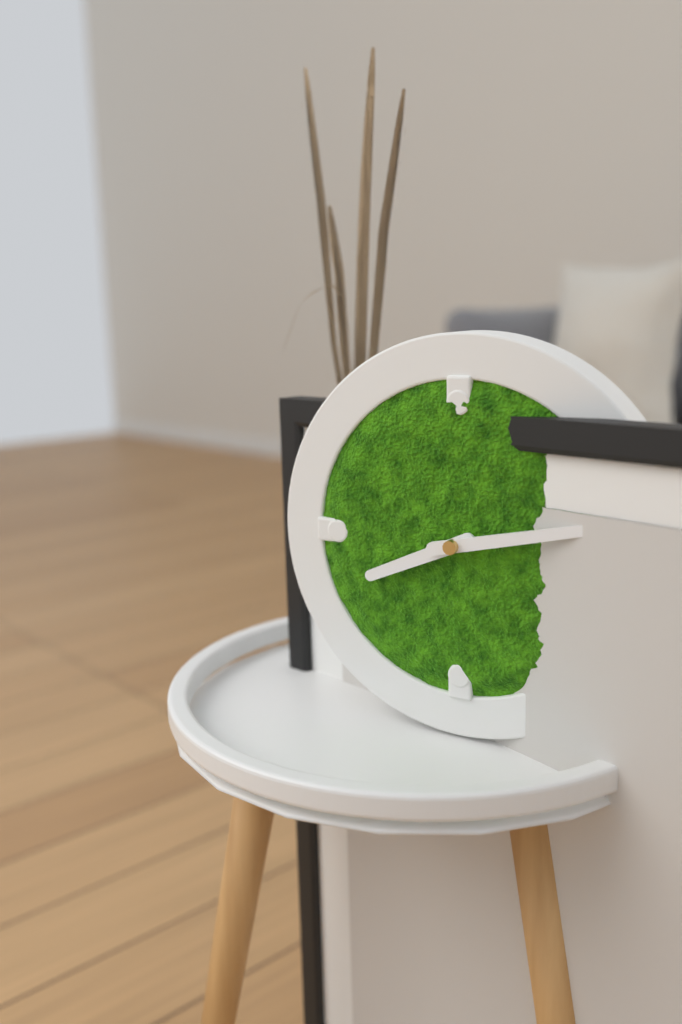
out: 8:13
